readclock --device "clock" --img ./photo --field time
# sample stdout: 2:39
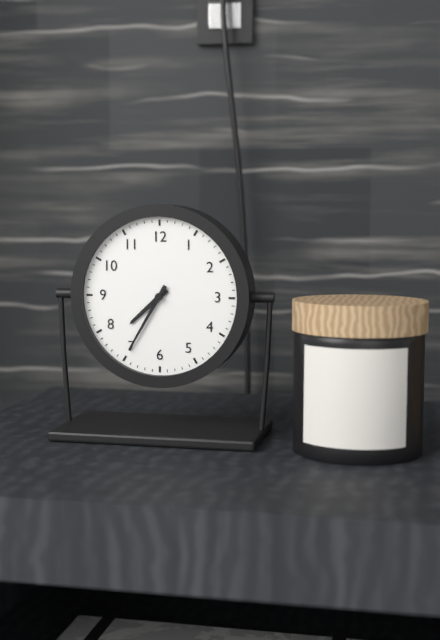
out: 7:35
